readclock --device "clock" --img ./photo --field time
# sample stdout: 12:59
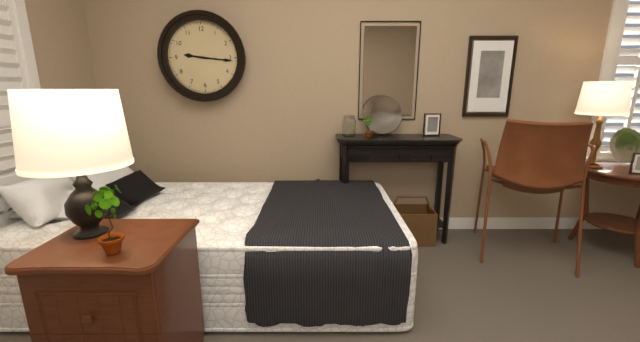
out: 9:16
